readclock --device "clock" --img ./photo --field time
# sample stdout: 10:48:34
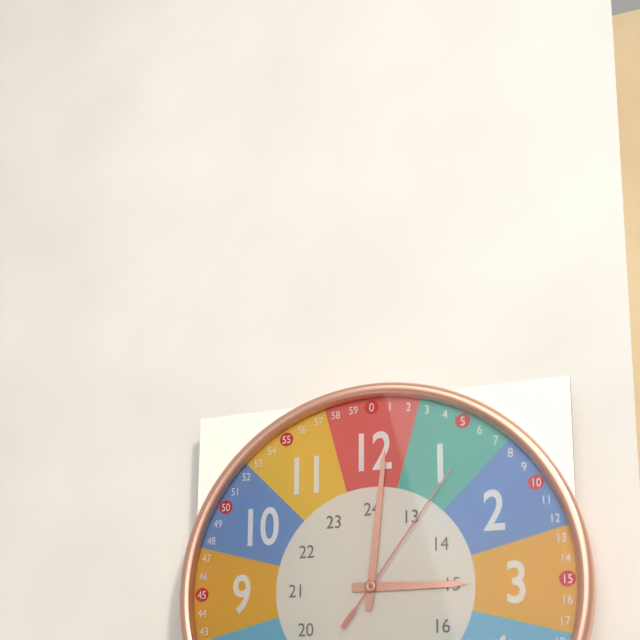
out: 3:01:06
